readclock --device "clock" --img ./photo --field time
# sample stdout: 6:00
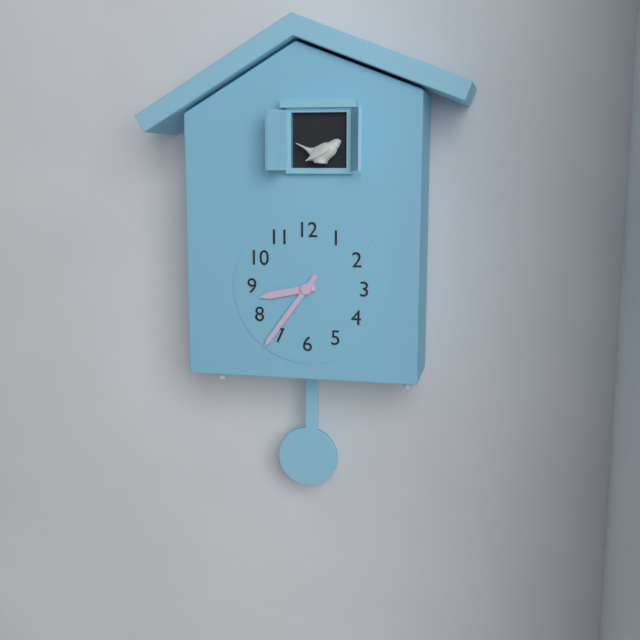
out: 8:36
